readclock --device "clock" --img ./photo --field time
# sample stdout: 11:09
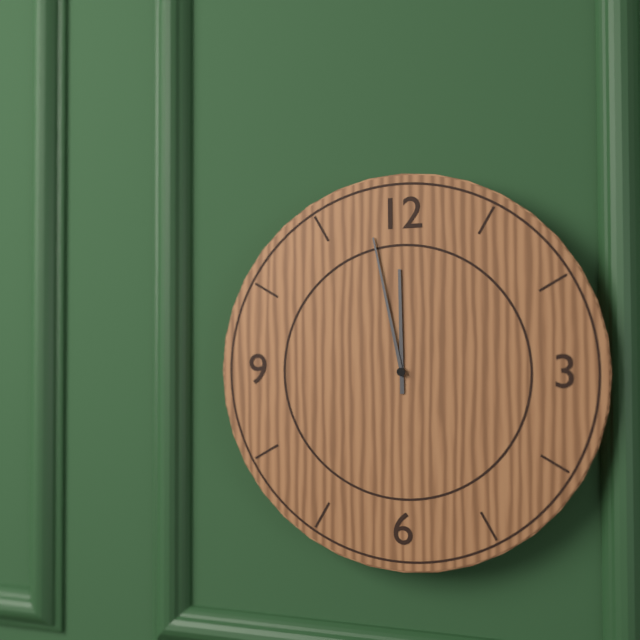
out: 11:58
